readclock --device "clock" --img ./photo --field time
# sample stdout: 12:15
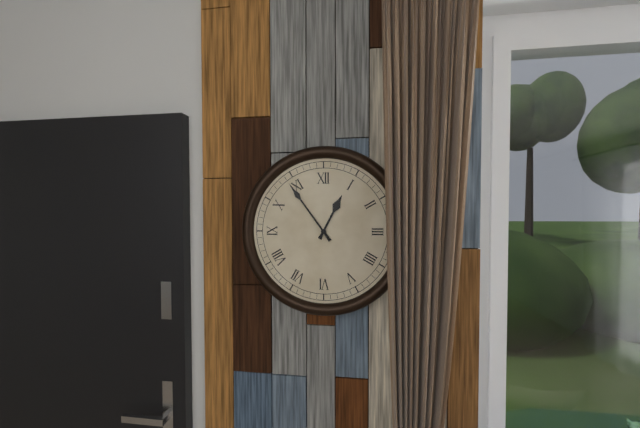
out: 12:54
